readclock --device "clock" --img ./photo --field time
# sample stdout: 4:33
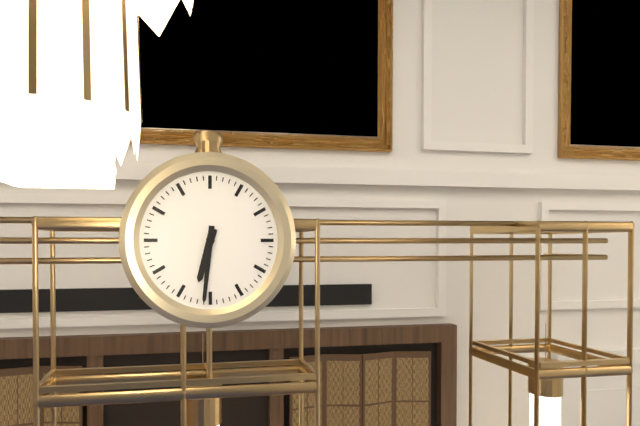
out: 6:31
